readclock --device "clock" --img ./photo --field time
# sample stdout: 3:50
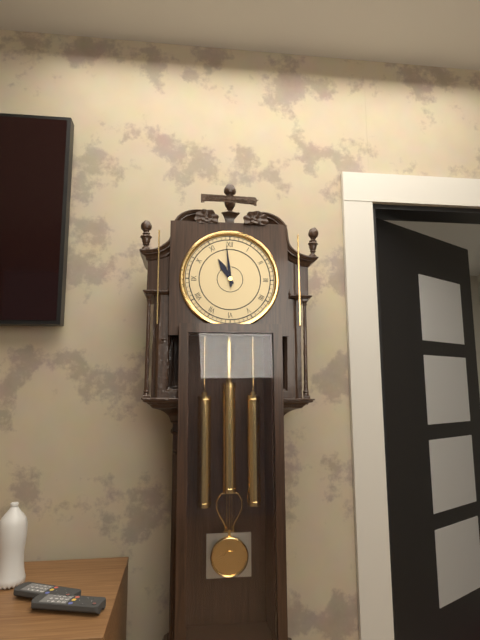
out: 10:59
